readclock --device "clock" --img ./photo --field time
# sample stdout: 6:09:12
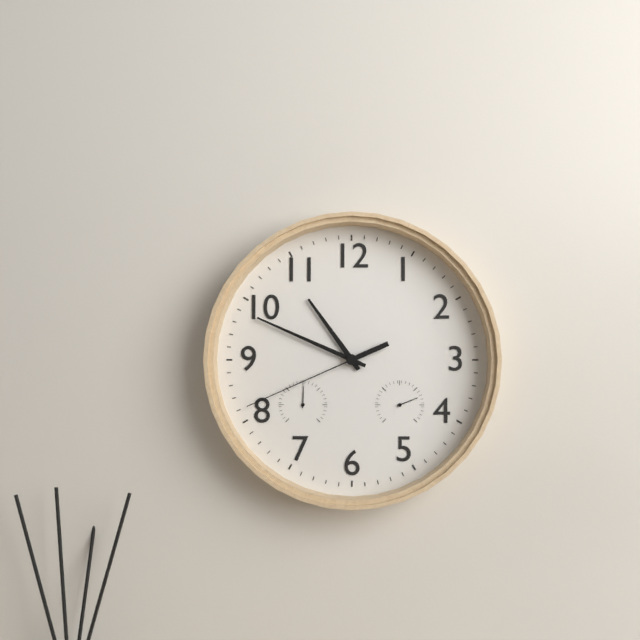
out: 10:49:41
